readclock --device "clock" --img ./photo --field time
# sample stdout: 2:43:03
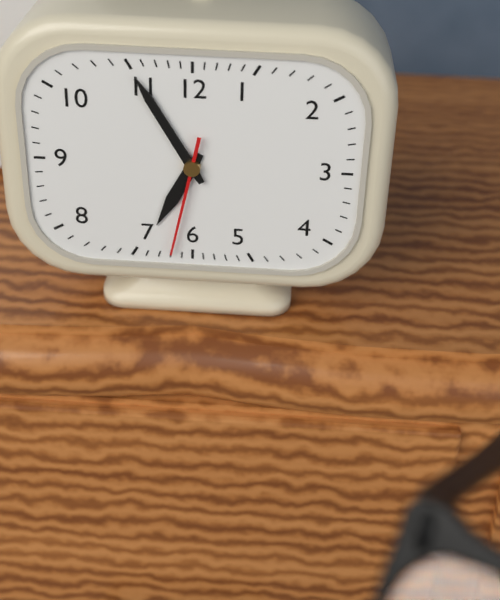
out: 6:55:32
